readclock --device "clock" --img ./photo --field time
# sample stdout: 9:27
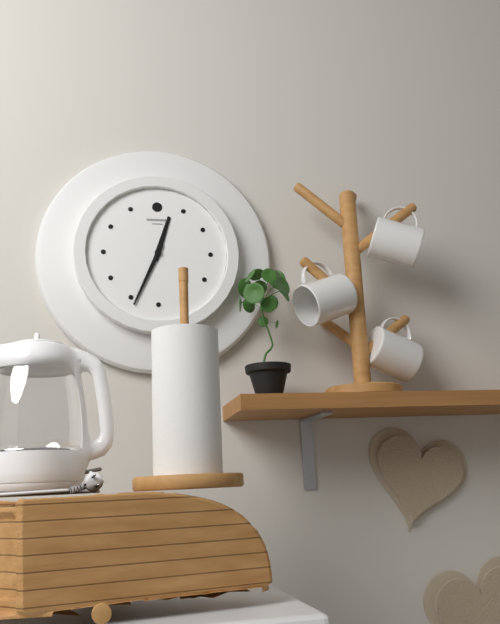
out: 12:34
